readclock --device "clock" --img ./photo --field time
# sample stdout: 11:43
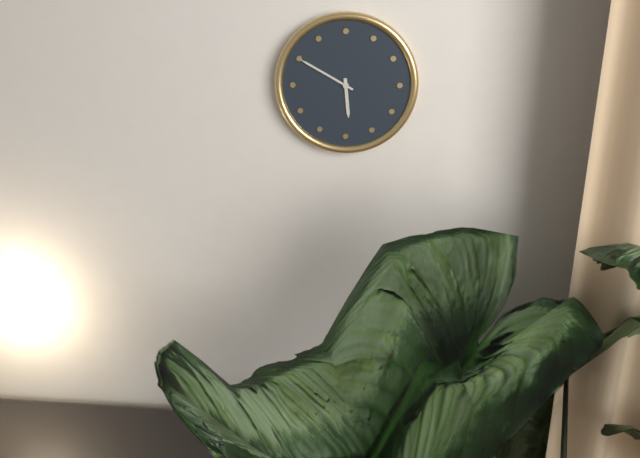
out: 5:50
